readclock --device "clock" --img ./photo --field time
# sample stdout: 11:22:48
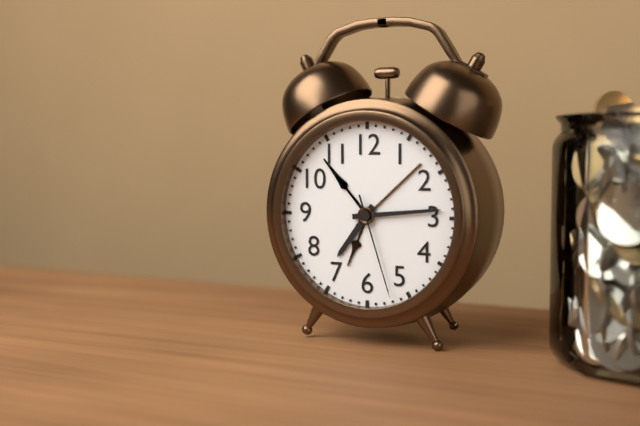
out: 7:14:27
